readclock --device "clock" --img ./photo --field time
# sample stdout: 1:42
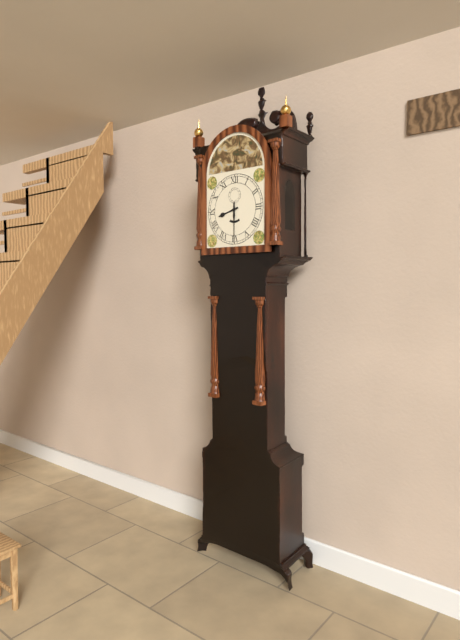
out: 8:30
